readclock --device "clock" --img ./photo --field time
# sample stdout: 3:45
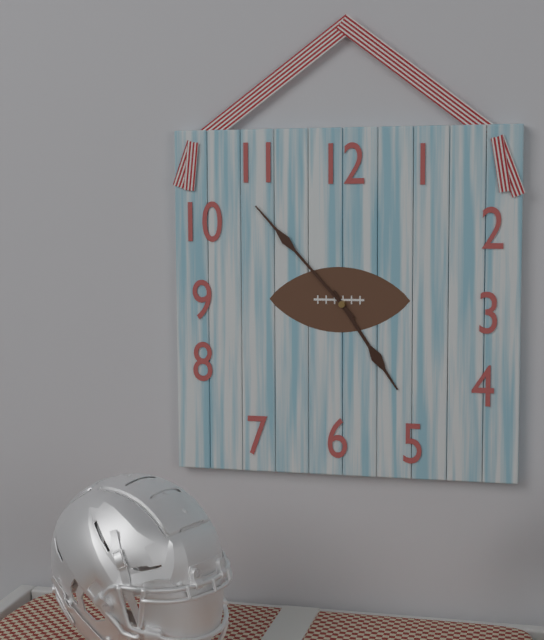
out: 4:53
